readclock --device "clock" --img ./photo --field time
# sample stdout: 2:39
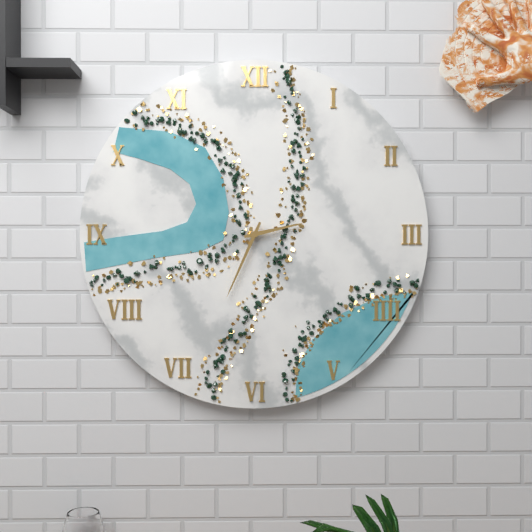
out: 2:34
